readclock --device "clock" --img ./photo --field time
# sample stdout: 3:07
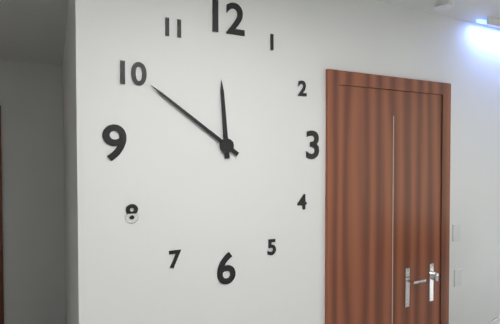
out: 11:51
